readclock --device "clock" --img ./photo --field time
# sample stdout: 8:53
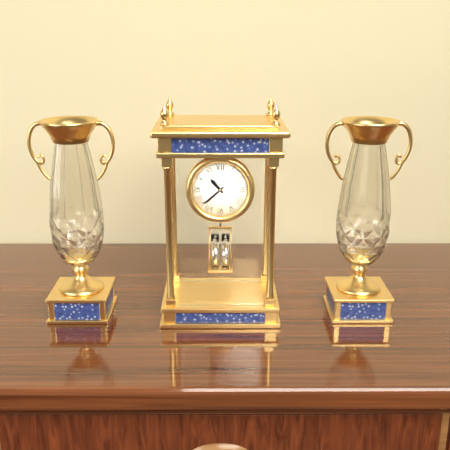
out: 10:38
